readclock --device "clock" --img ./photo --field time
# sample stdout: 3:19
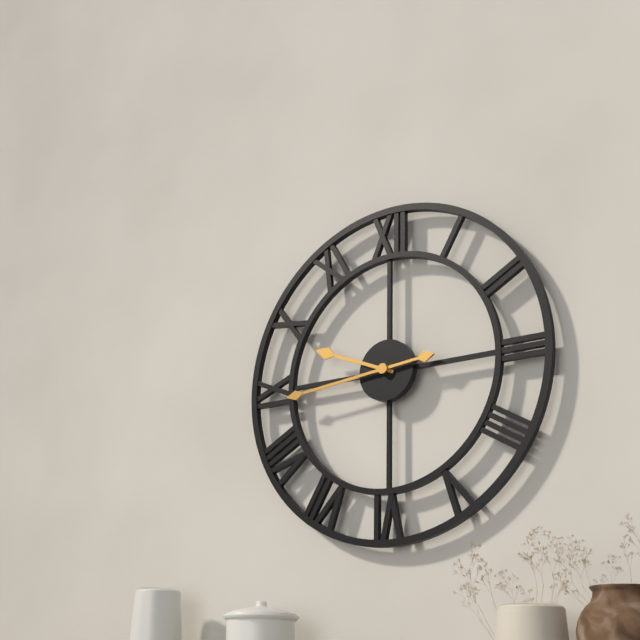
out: 9:44
